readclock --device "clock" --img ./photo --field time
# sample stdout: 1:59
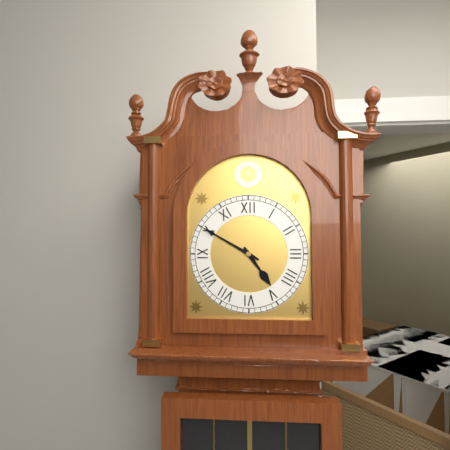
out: 4:50
